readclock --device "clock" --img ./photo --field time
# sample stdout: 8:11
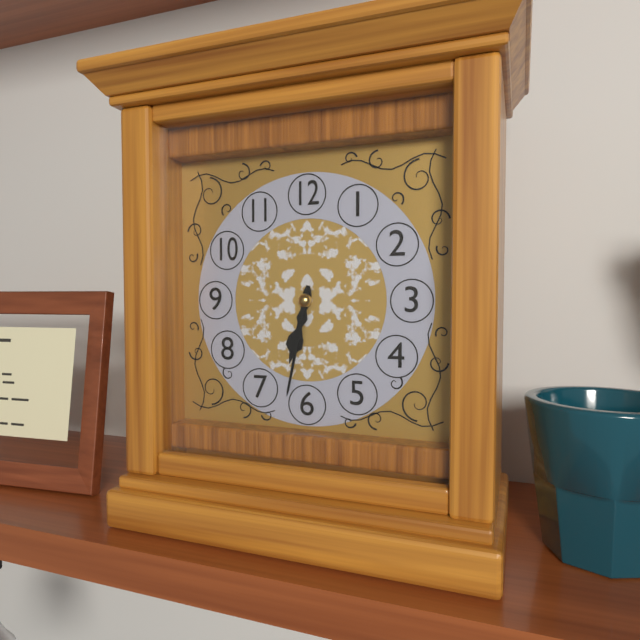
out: 6:32
